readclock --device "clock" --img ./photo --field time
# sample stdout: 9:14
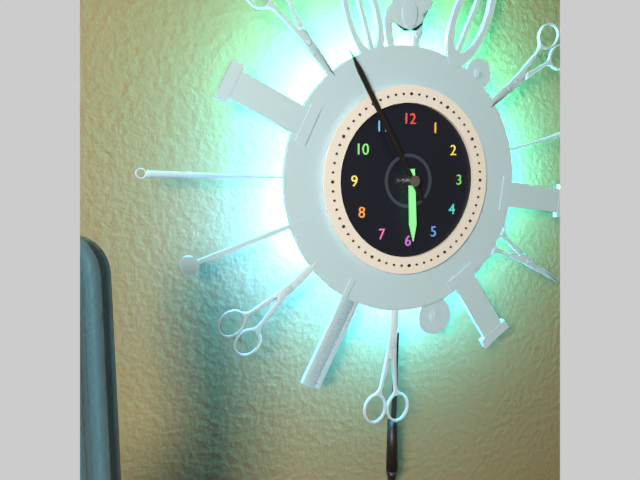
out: 5:55
